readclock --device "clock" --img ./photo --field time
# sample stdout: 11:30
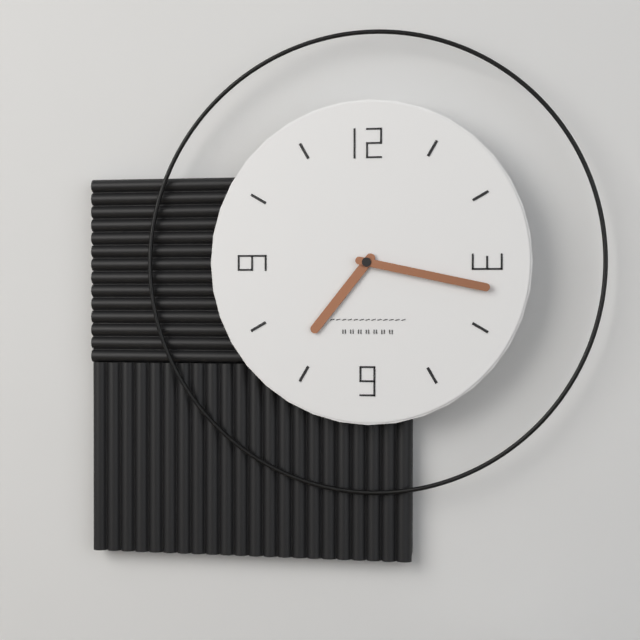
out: 7:17
